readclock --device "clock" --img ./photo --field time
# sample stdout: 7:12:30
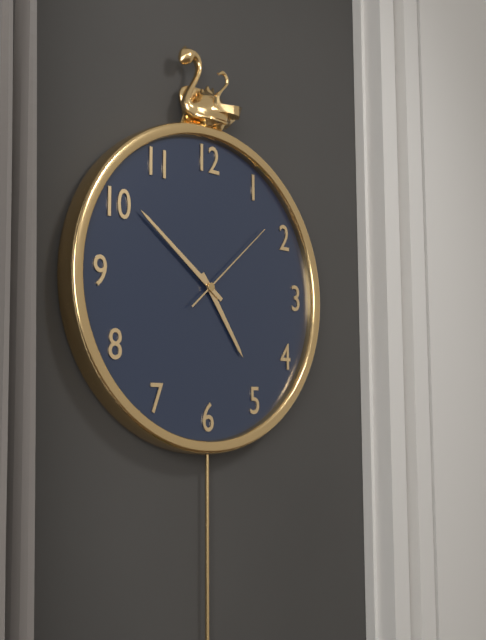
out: 4:51:08
